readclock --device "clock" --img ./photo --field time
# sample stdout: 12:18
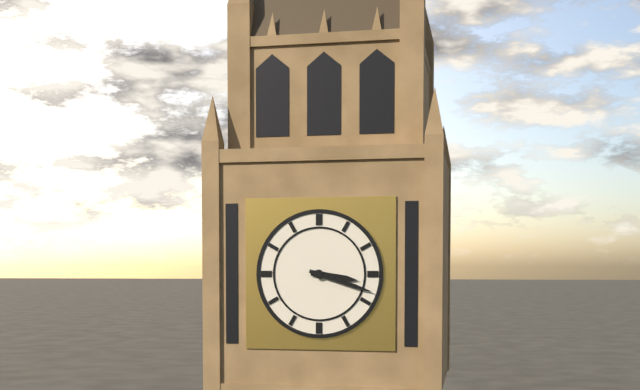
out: 3:18
